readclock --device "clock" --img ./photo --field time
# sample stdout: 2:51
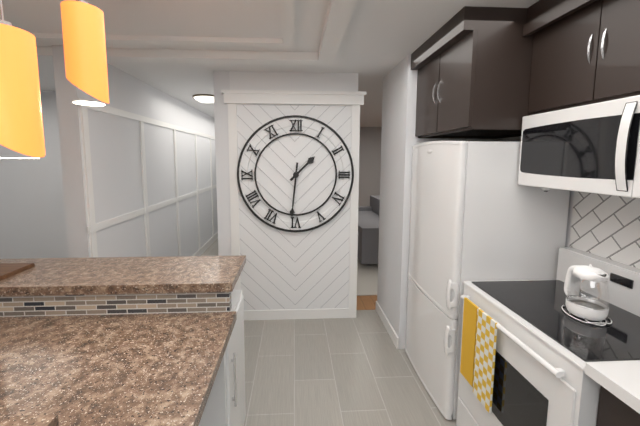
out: 1:31
